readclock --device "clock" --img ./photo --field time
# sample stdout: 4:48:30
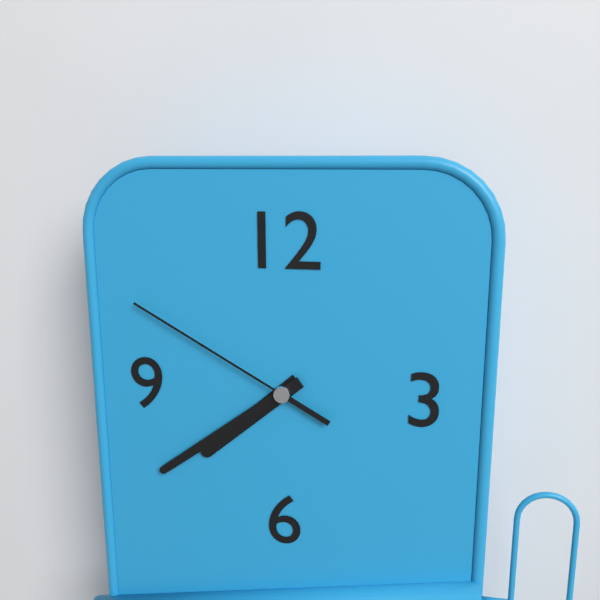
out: 7:39:50
